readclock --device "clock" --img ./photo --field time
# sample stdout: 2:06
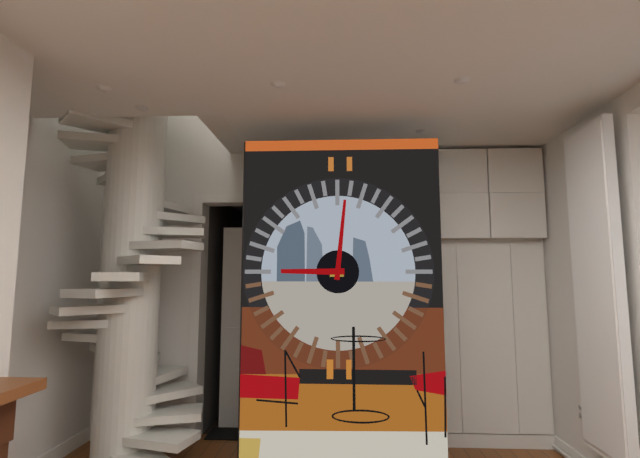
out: 9:01
